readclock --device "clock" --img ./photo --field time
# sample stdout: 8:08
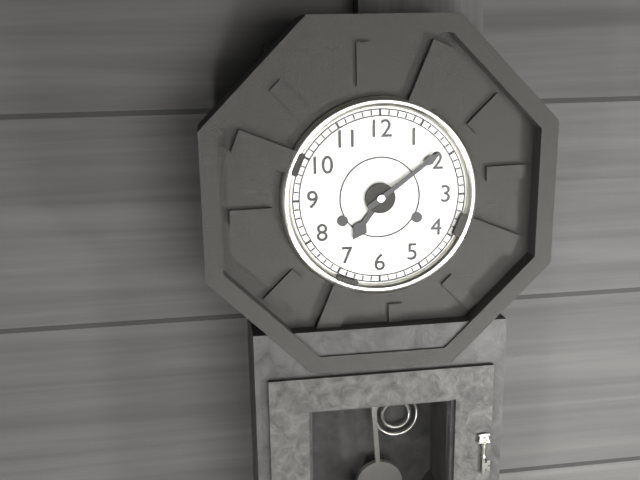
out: 7:09
